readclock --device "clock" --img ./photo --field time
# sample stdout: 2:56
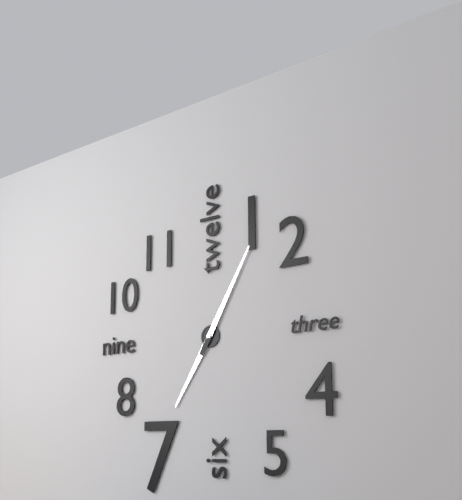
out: 7:05
